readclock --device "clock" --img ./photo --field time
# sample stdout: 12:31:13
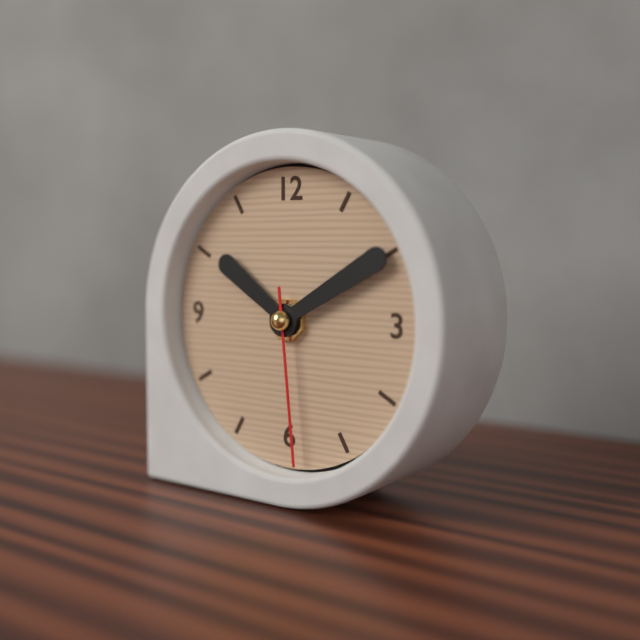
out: 10:10:29
